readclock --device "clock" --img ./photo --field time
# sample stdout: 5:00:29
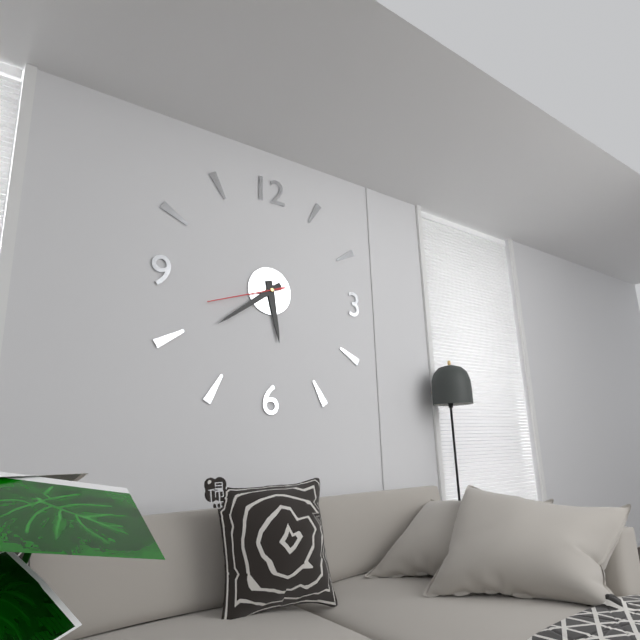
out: 5:39:42
